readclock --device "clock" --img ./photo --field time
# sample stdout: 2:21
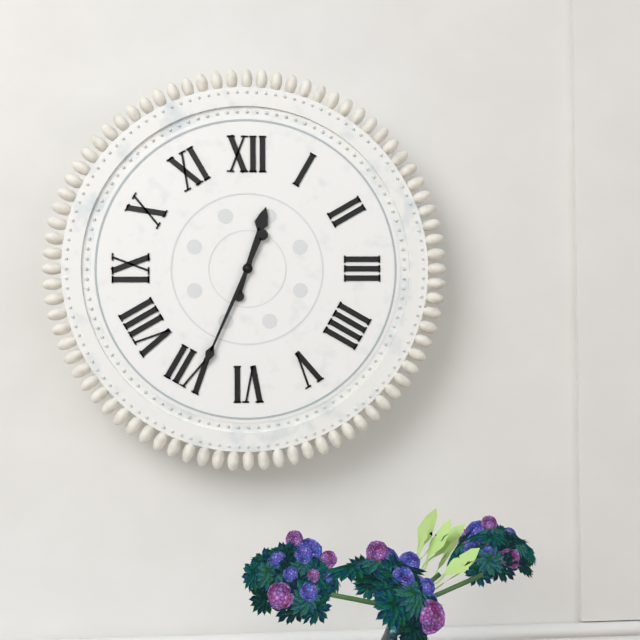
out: 12:34
